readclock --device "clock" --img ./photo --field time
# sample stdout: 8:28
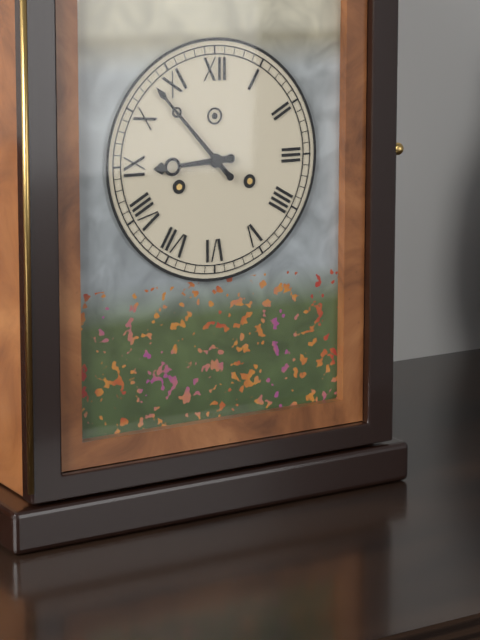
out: 8:53
